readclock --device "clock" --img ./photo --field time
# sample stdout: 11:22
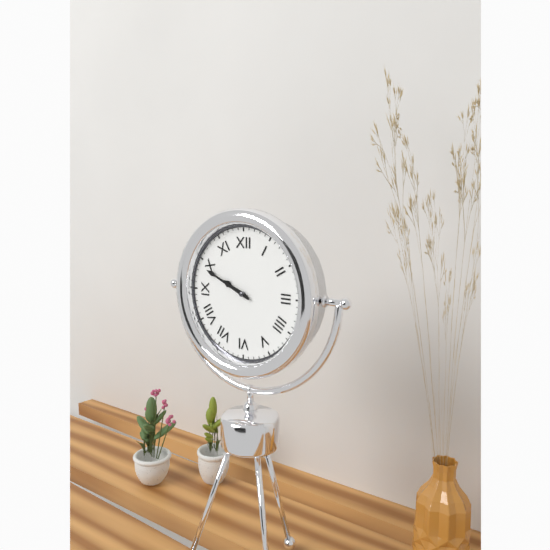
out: 9:49
